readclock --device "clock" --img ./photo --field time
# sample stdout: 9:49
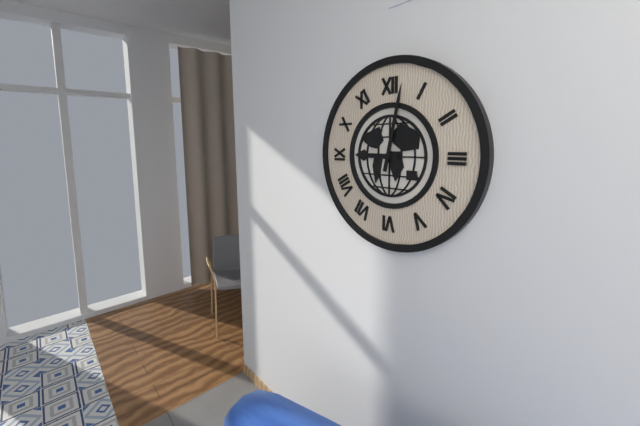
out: 9:02
